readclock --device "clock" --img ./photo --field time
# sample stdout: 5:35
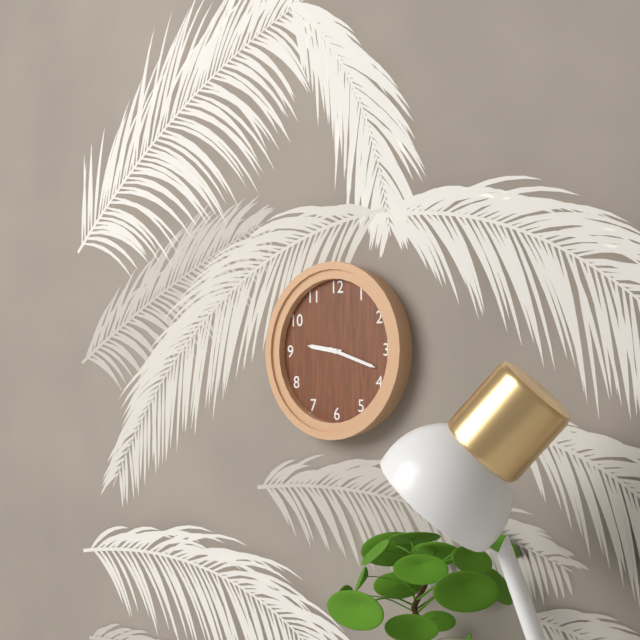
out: 9:18
